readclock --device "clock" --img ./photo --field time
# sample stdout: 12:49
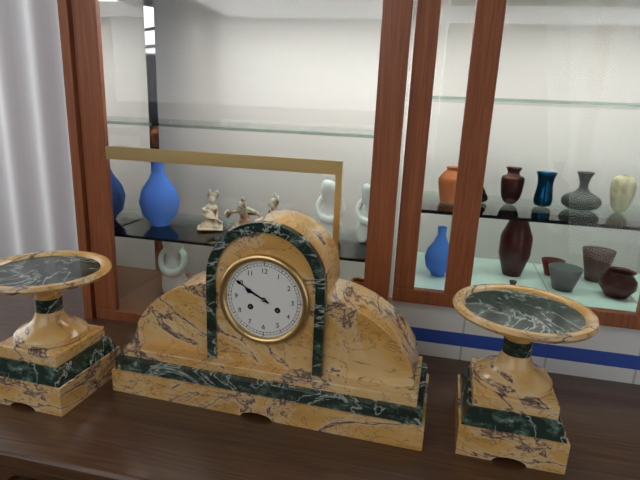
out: 9:50
